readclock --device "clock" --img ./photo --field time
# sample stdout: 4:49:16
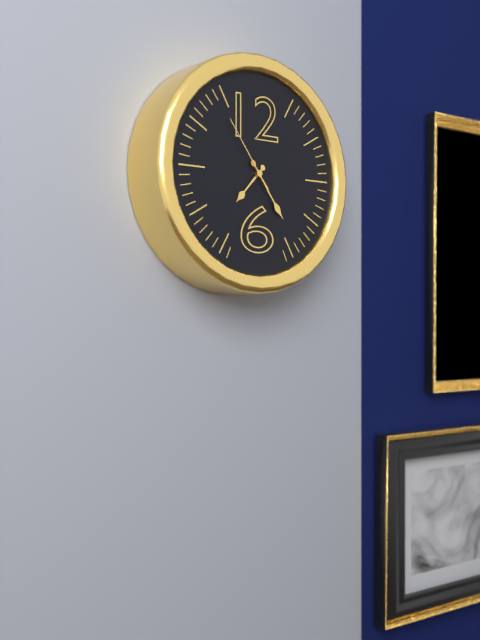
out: 7:24:54
